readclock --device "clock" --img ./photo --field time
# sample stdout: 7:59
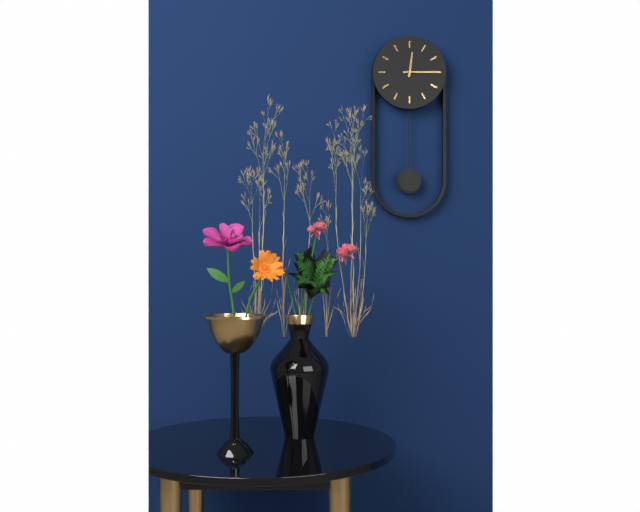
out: 12:15
